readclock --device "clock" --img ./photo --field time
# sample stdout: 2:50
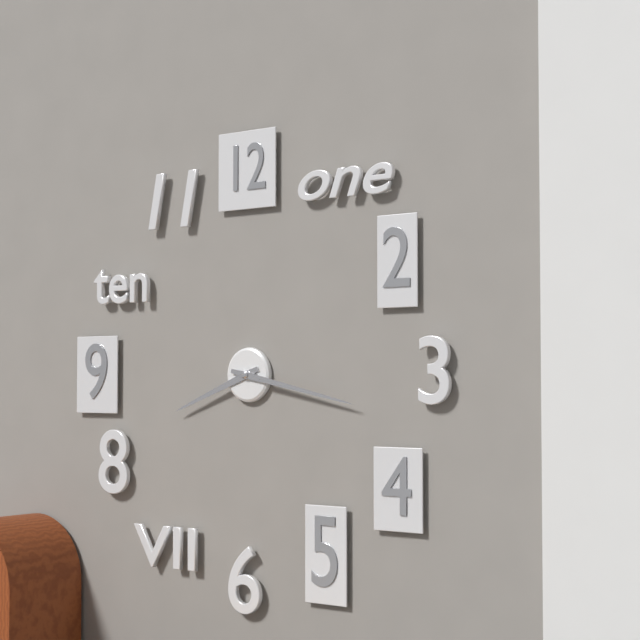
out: 8:17
